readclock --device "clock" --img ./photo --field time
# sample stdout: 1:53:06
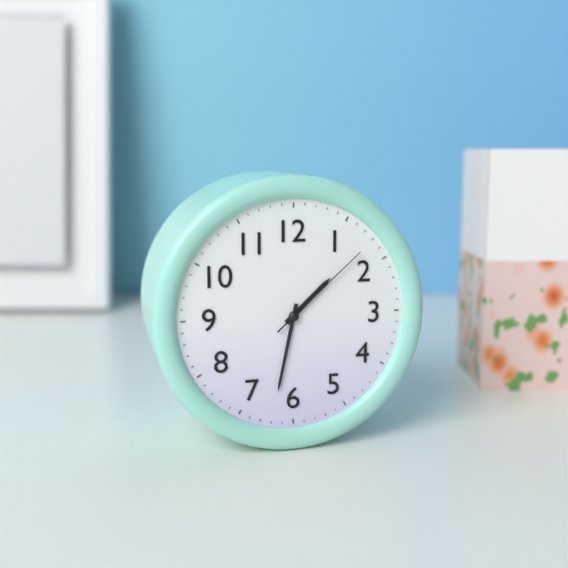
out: 1:32:08
